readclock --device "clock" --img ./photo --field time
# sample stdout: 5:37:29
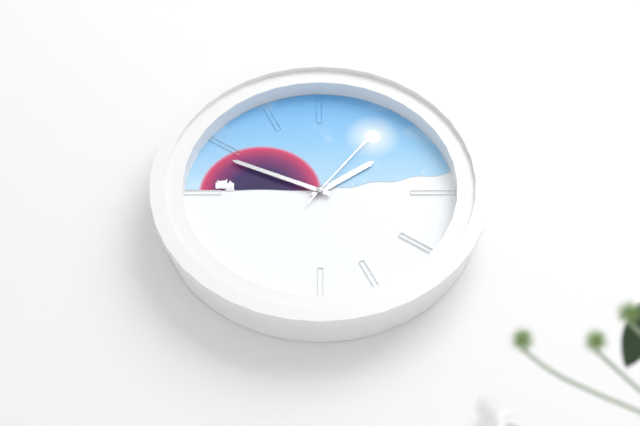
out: 1:49:06
